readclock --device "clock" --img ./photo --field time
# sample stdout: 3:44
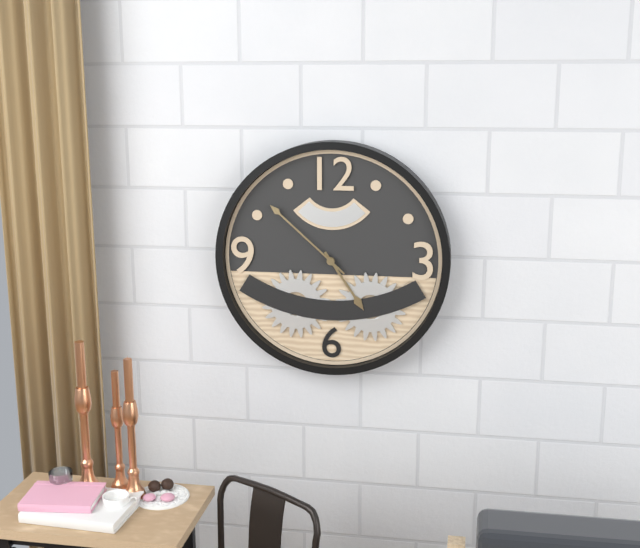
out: 4:52
